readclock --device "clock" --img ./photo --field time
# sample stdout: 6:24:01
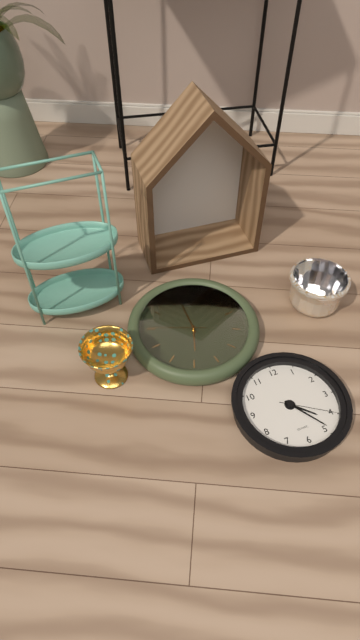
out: 4:24:20
